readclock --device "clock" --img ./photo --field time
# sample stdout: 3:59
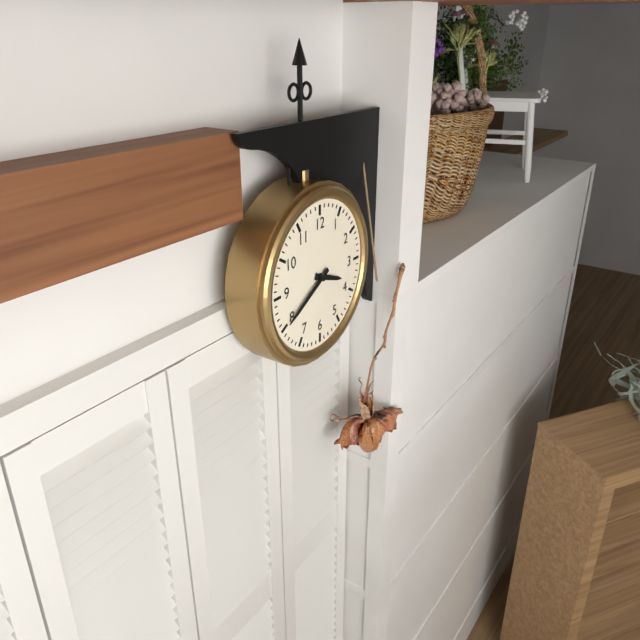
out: 3:40
